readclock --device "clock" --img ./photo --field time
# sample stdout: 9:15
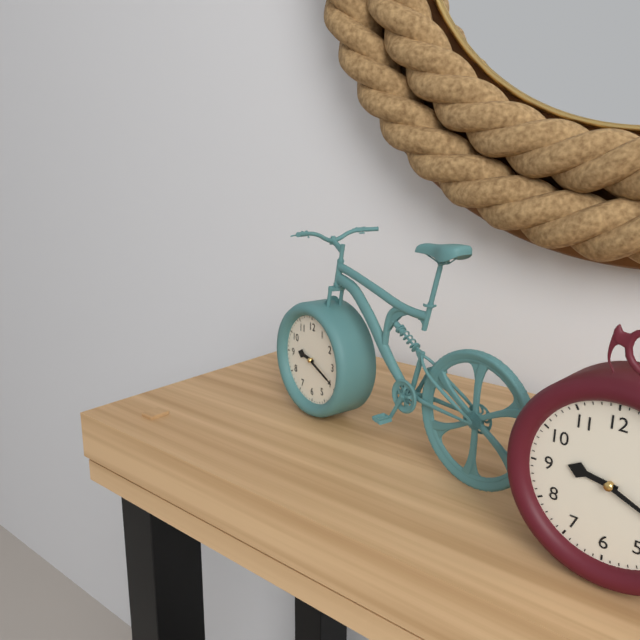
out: 9:19
